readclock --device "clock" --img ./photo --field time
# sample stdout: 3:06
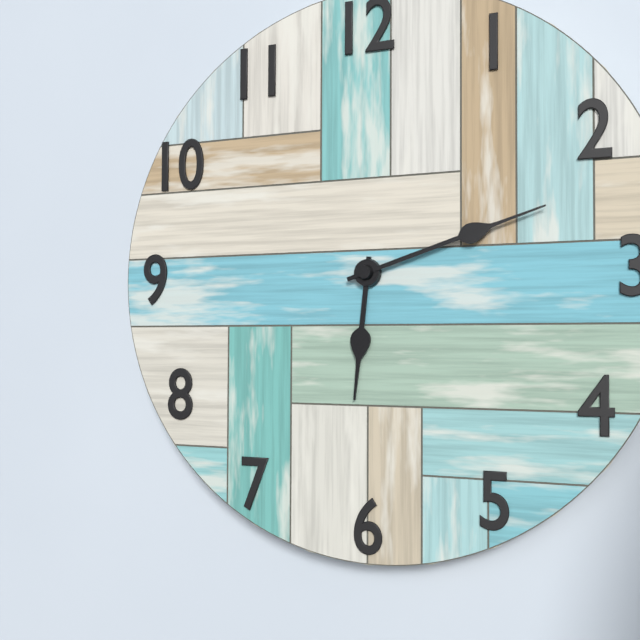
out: 6:12
